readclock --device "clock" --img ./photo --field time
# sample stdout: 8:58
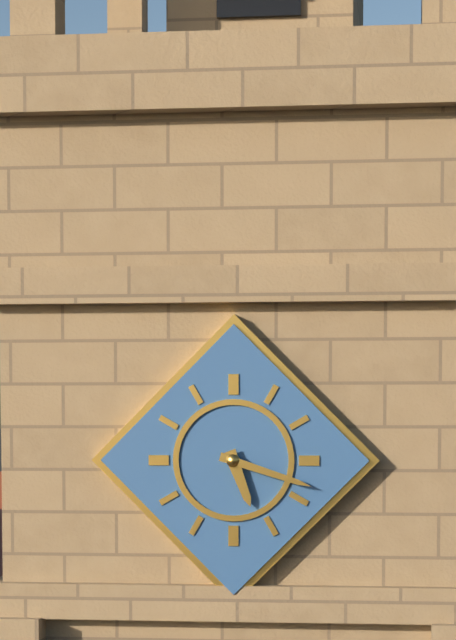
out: 5:18
